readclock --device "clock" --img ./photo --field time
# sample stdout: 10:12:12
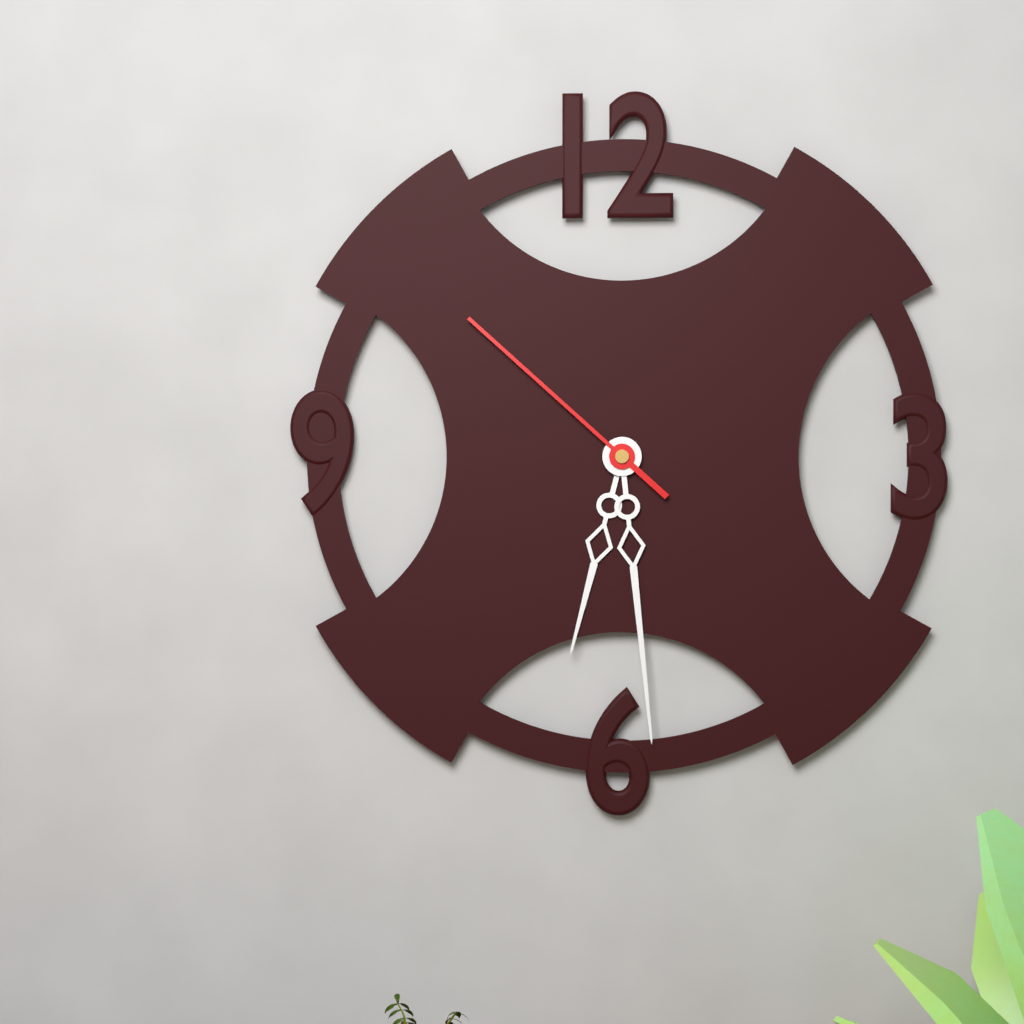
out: 6:29:52
